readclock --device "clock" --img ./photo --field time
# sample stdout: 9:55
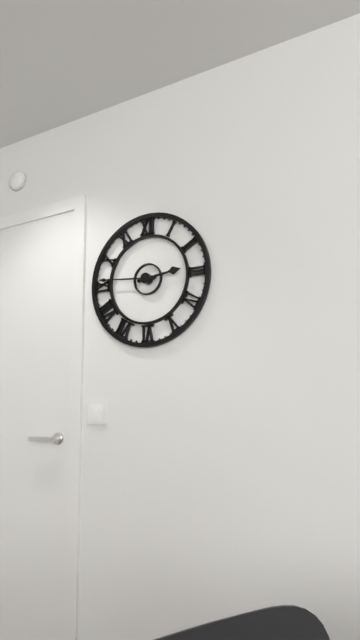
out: 2:46
